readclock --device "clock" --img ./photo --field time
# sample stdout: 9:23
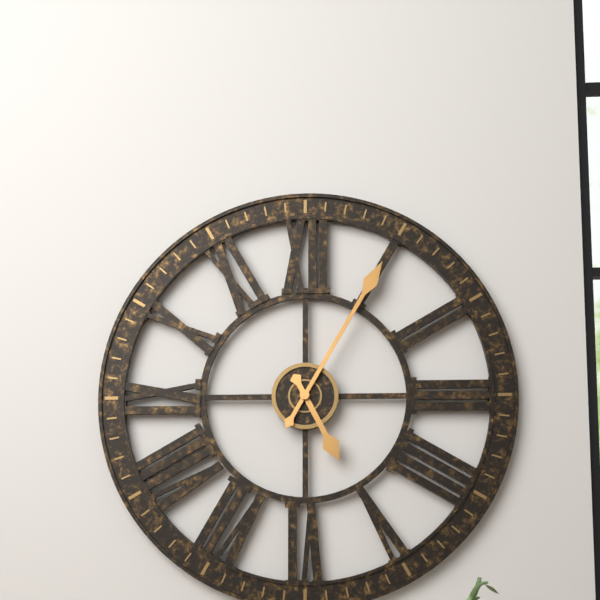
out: 5:05
